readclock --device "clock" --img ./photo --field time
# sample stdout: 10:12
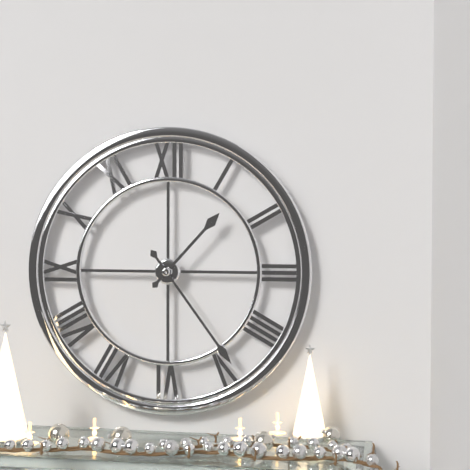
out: 1:24
